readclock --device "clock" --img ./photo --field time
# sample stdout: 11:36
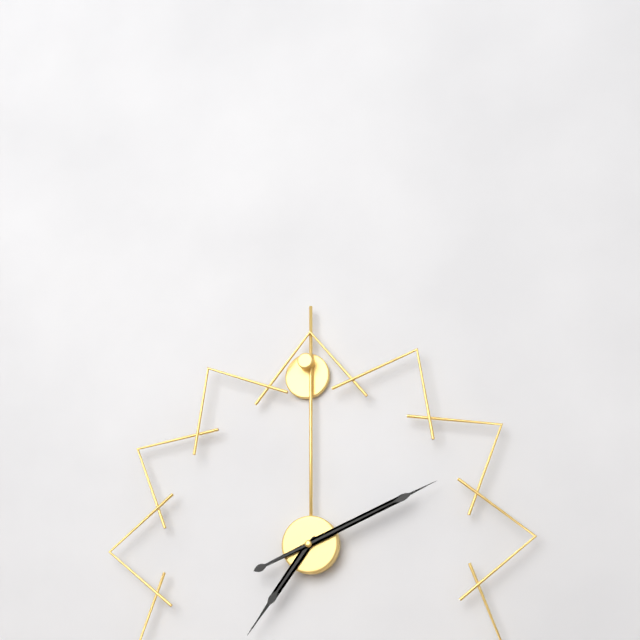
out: 7:11
